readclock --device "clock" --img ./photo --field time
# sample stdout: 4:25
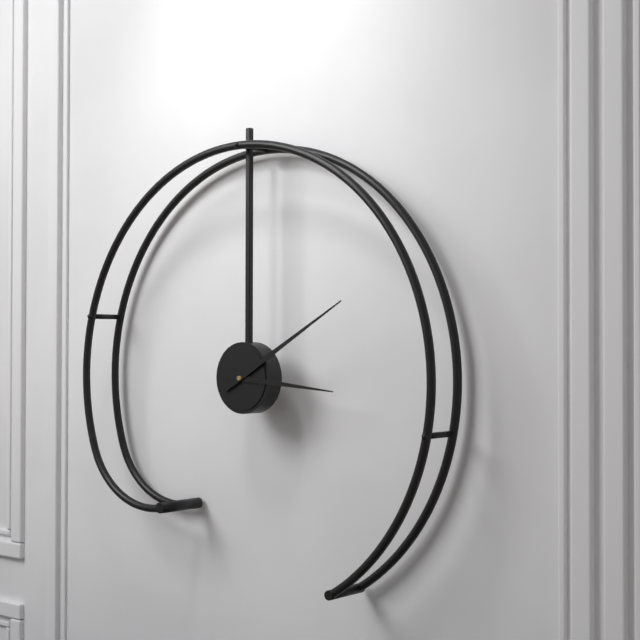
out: 3:10
